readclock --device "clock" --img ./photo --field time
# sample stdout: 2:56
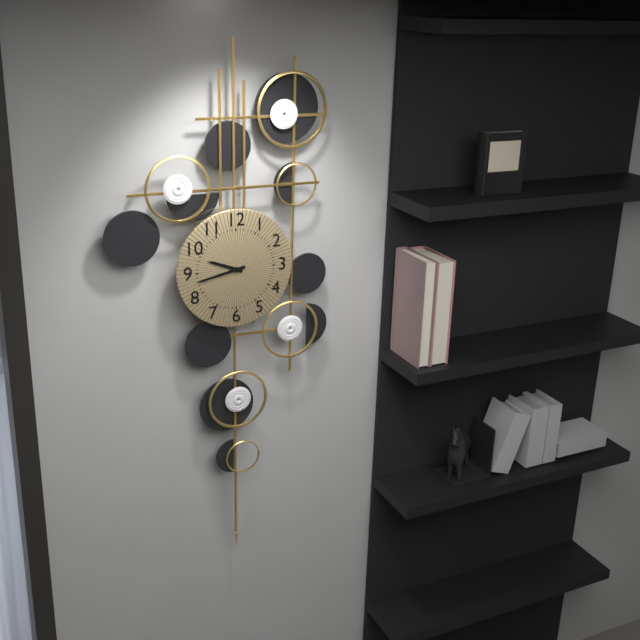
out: 9:43
